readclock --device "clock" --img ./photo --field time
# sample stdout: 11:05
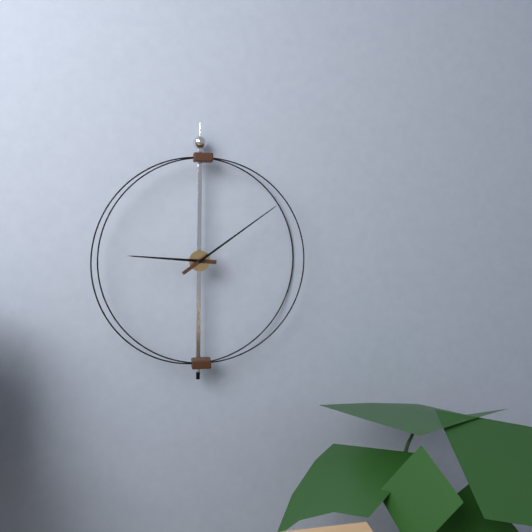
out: 9:09
